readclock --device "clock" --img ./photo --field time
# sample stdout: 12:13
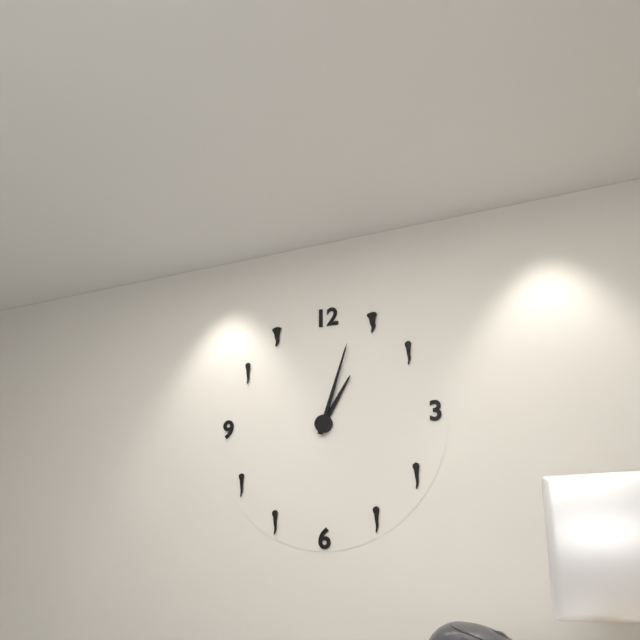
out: 1:03
